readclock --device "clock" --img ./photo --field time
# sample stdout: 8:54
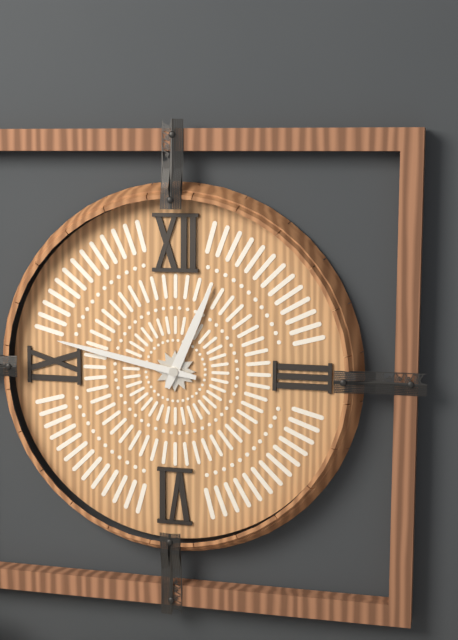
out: 12:47
